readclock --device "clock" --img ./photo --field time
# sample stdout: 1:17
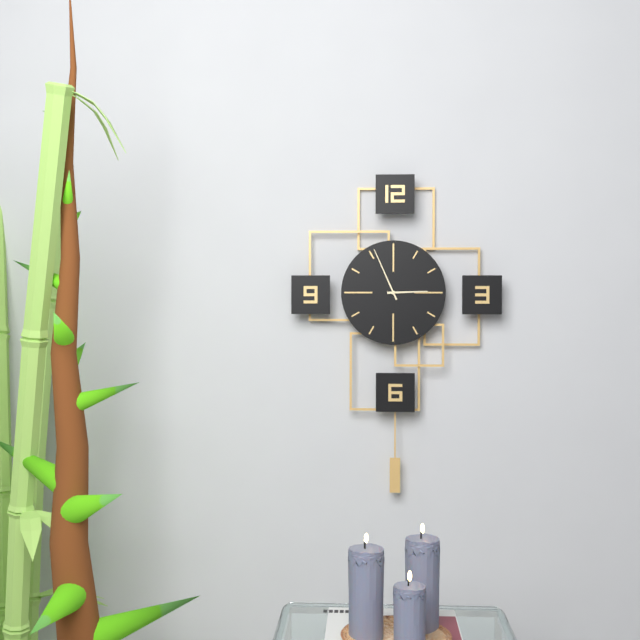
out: 2:56
